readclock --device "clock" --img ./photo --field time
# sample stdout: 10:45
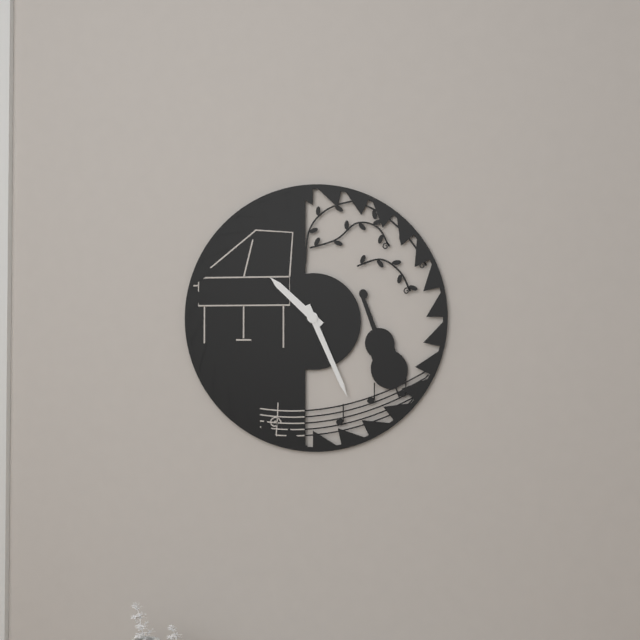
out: 10:26
